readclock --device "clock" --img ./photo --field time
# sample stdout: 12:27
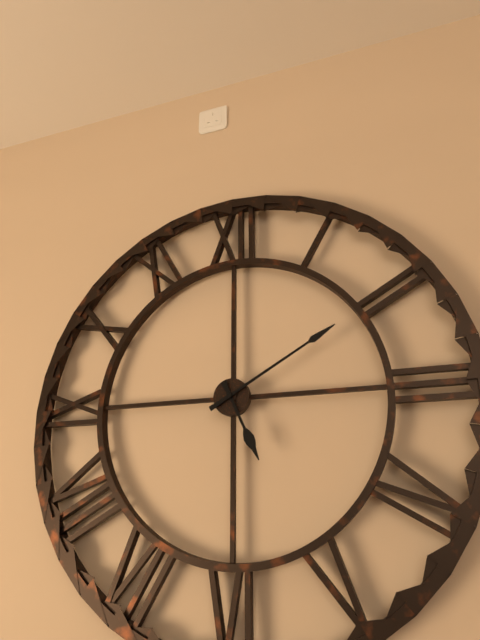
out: 5:10
